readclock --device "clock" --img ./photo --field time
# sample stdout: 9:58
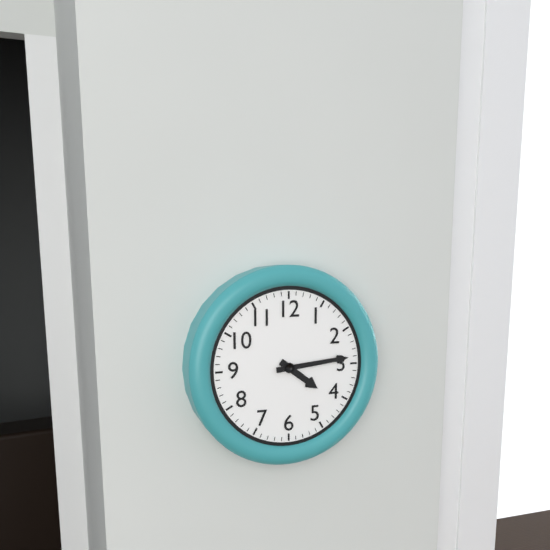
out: 4:14
